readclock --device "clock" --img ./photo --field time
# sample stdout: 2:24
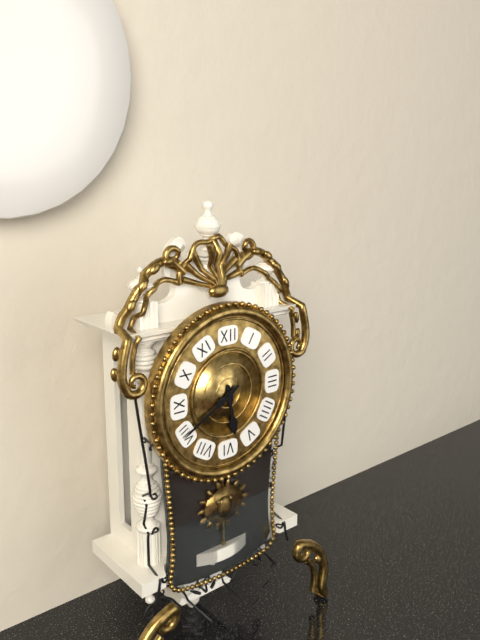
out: 5:40
